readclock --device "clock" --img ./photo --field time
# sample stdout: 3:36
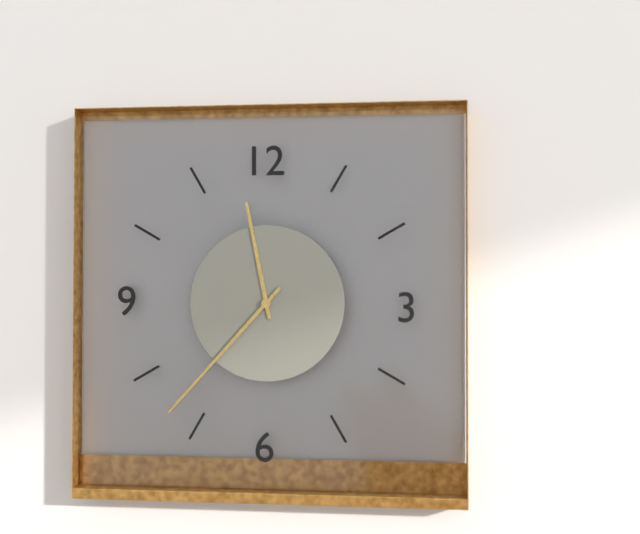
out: 11:37
